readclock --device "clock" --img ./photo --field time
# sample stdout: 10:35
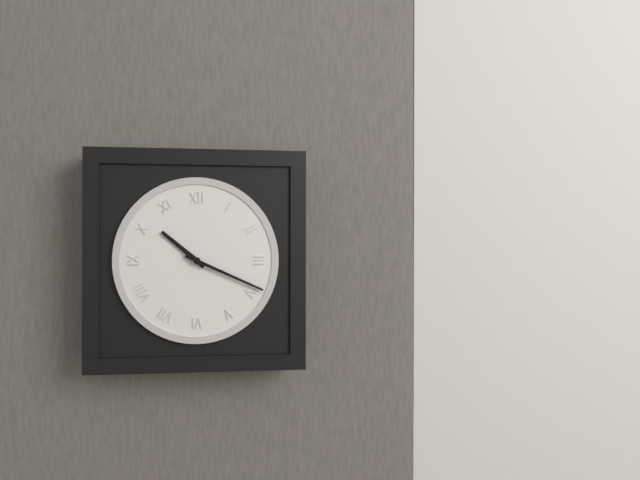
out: 10:19
